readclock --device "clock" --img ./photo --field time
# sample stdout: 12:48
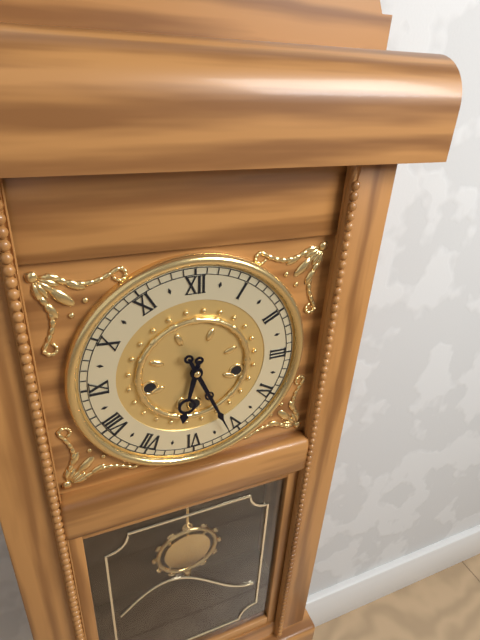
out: 6:26
